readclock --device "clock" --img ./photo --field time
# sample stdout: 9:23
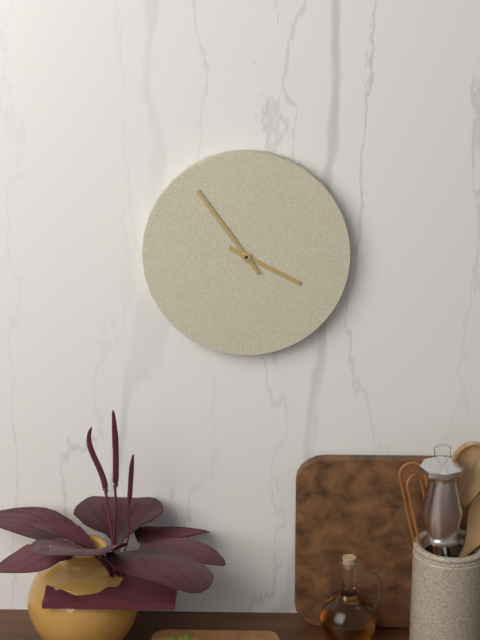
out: 3:54
